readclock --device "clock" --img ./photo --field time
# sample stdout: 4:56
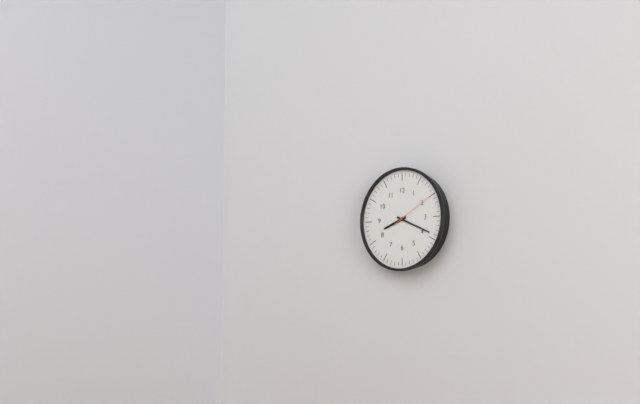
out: 8:19
